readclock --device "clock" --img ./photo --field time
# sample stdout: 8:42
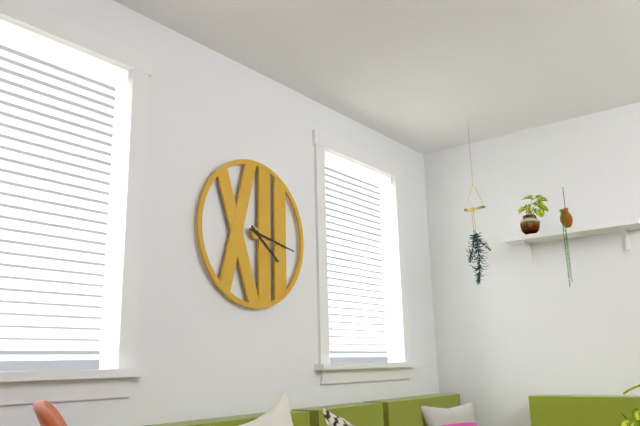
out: 4:17
